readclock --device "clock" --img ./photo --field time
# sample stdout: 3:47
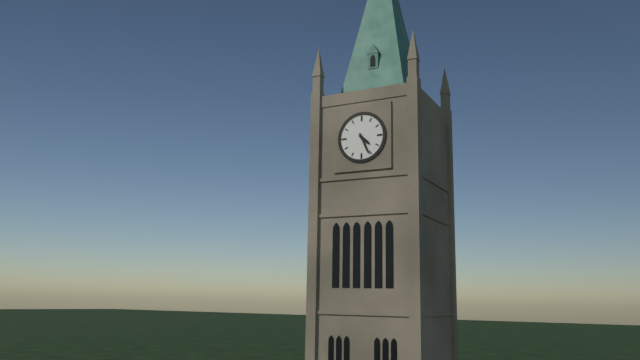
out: 4:26
